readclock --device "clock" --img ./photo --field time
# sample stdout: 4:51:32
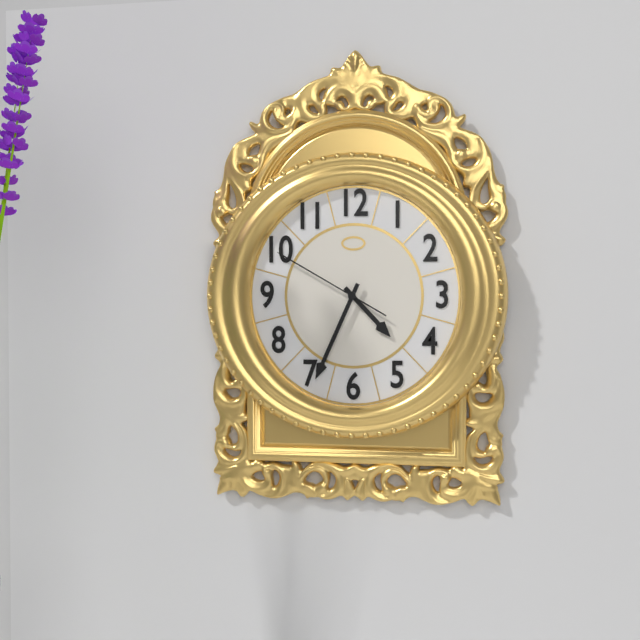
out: 4:34:50
